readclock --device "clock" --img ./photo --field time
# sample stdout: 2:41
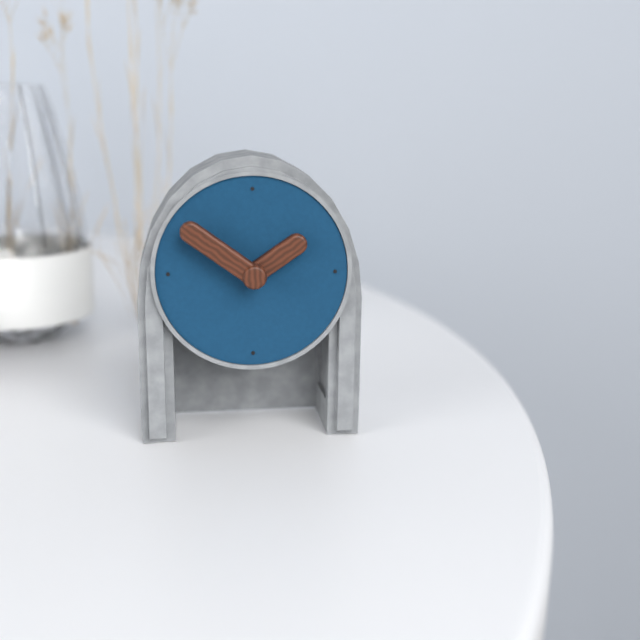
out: 1:51
